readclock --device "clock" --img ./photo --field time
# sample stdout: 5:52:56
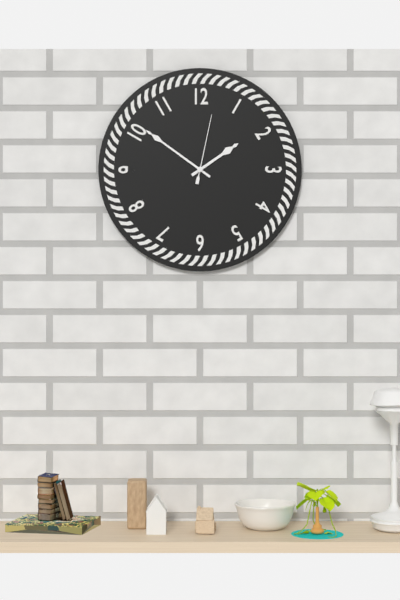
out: 1:51:02
